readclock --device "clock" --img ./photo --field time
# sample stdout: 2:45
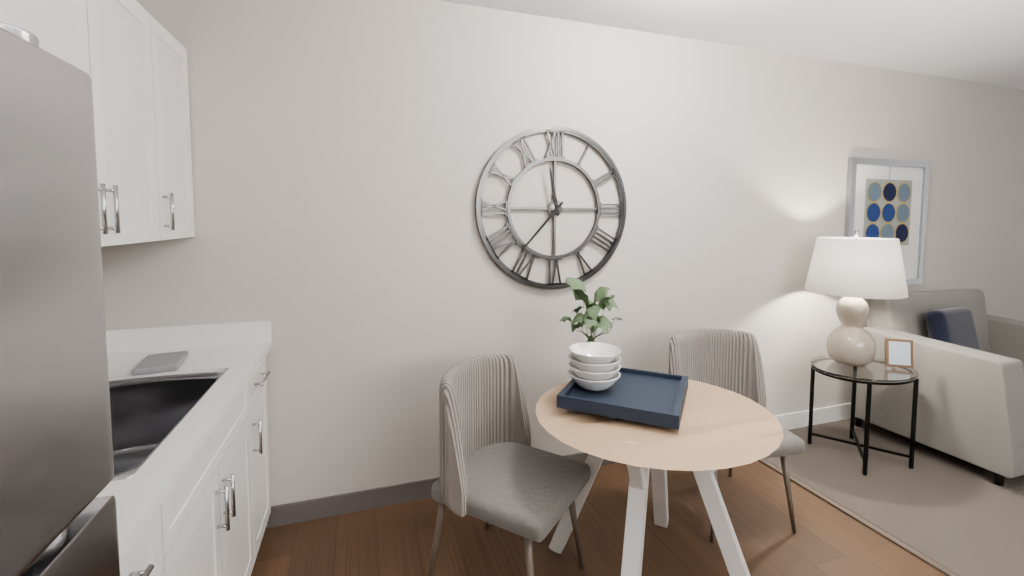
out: 11:37
